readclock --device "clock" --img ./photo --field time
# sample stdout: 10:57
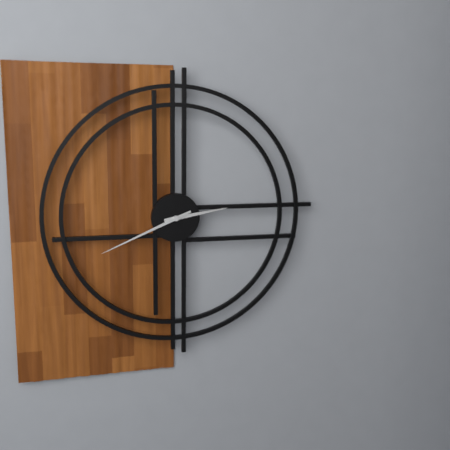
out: 2:41
